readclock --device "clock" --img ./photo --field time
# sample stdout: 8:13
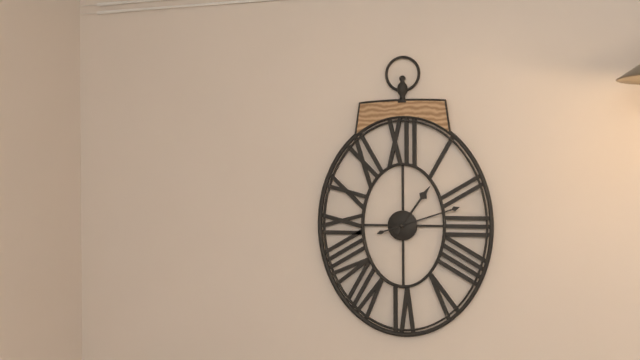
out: 1:12
